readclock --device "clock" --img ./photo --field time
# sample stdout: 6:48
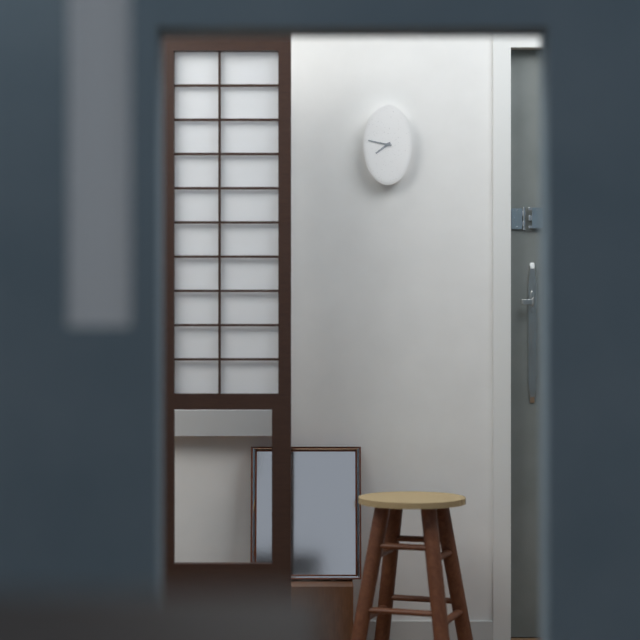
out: 7:47
